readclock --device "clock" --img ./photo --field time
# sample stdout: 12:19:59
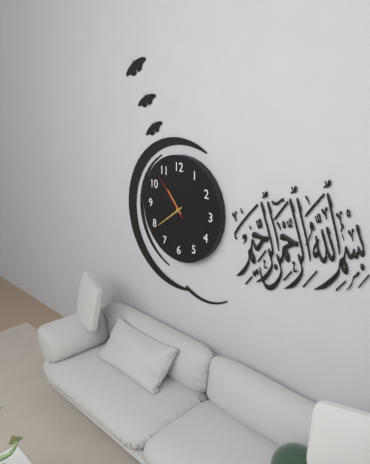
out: 10:39:53
